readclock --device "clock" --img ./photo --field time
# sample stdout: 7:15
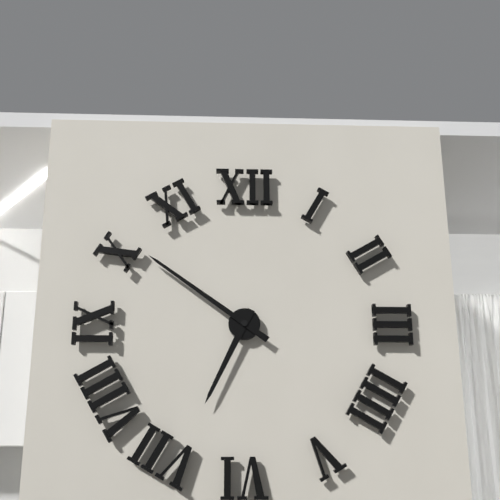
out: 6:51
